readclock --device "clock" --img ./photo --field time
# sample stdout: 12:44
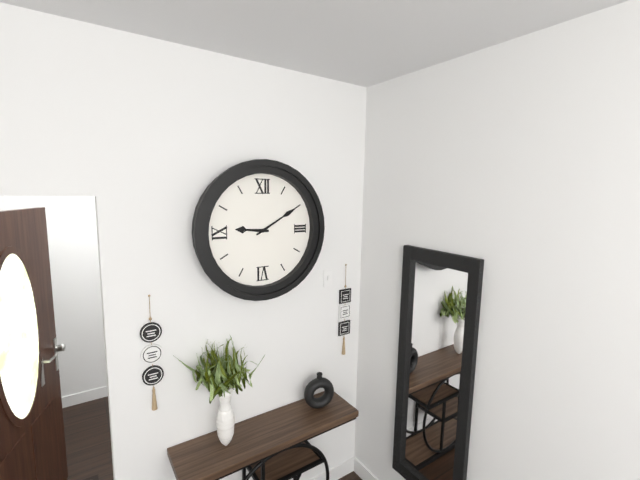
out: 9:10
